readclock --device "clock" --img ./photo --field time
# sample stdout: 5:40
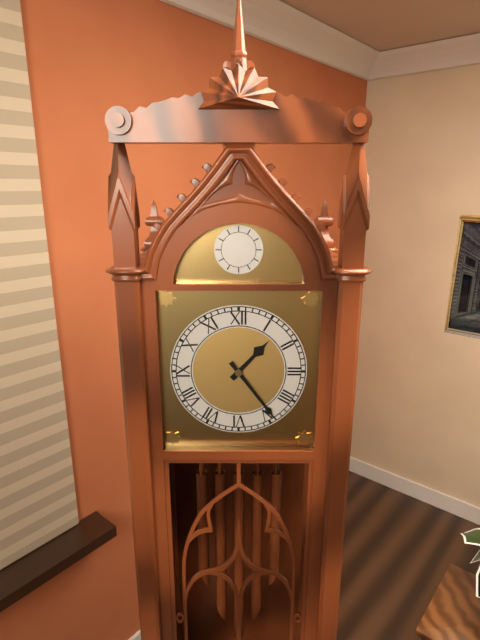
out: 1:24
